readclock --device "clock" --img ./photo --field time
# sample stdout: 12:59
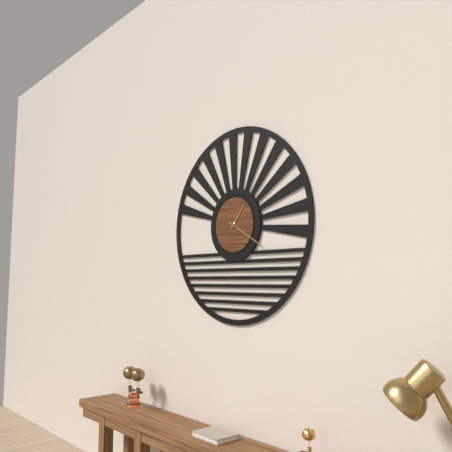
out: 1:20
